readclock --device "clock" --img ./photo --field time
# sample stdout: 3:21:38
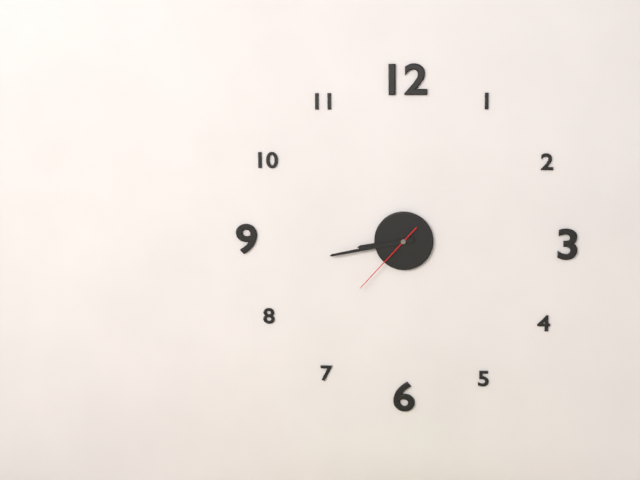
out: 8:43:37
